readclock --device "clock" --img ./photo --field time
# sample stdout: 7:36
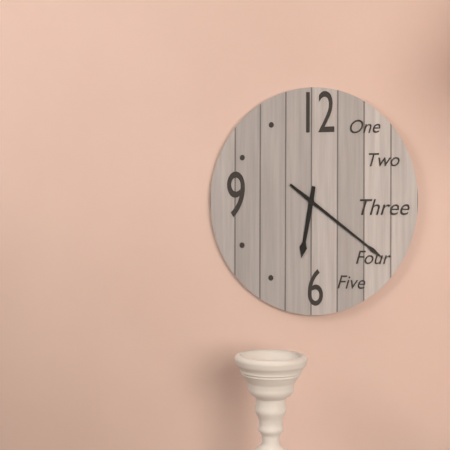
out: 6:21
